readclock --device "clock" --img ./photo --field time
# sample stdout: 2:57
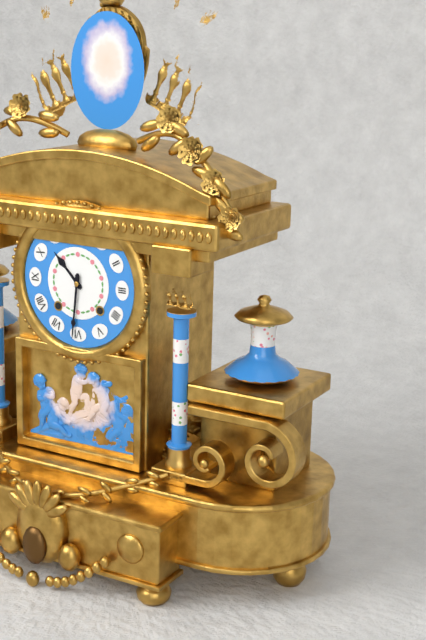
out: 10:31
